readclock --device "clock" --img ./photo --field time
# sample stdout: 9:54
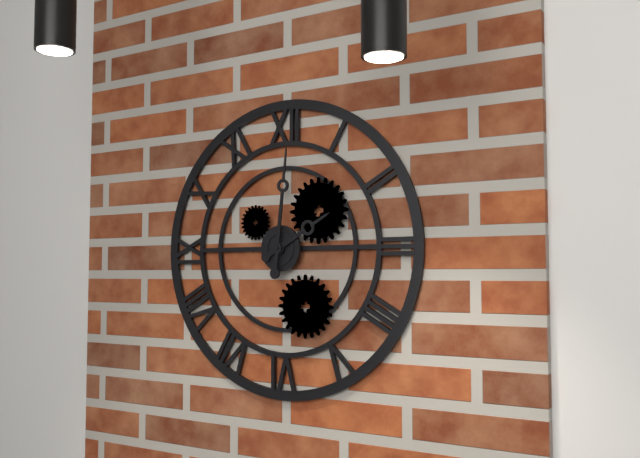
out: 2:01
